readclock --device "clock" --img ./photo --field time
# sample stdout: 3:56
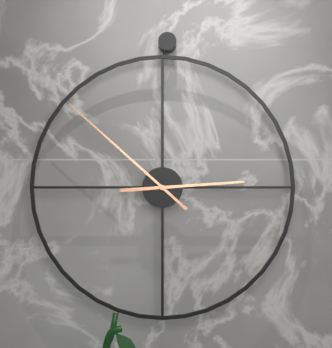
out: 2:52
